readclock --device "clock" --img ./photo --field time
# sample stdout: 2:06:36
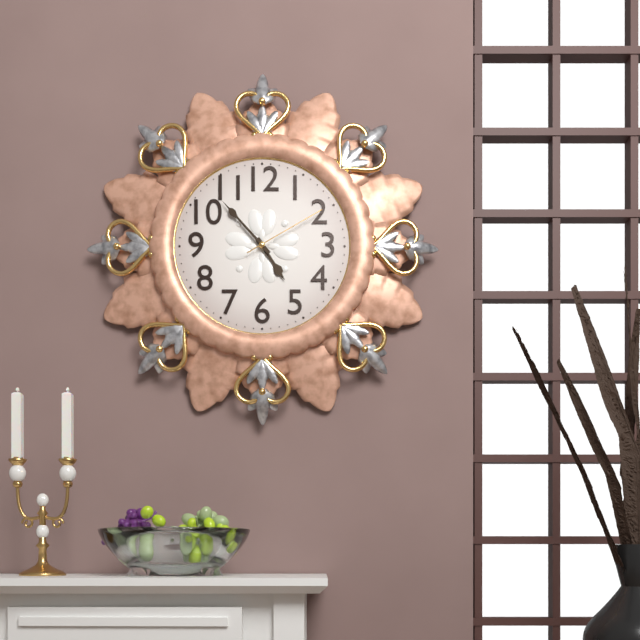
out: 4:53:10
